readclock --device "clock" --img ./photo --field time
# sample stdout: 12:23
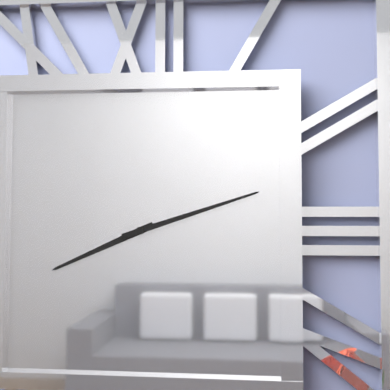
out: 8:12
